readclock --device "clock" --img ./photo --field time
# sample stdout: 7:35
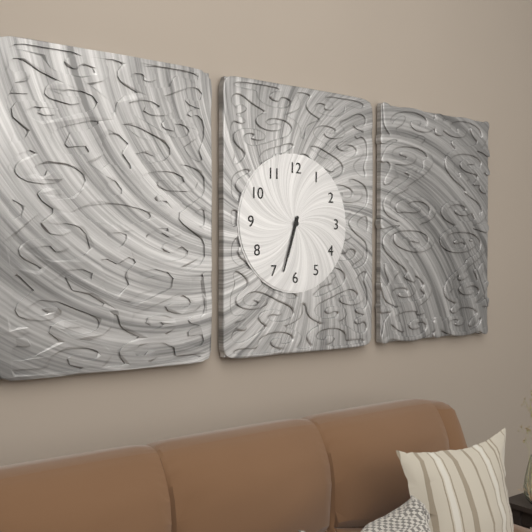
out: 6:33
